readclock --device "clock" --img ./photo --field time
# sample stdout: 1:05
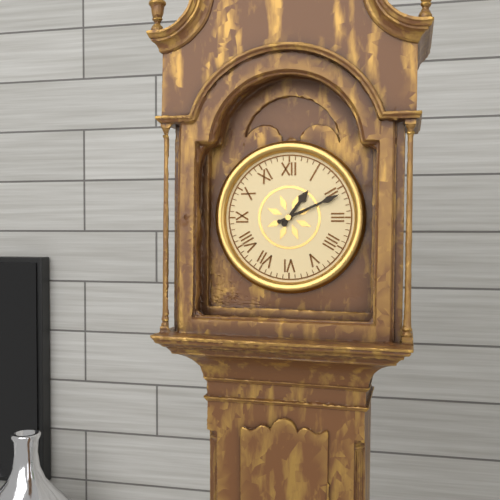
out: 1:11
